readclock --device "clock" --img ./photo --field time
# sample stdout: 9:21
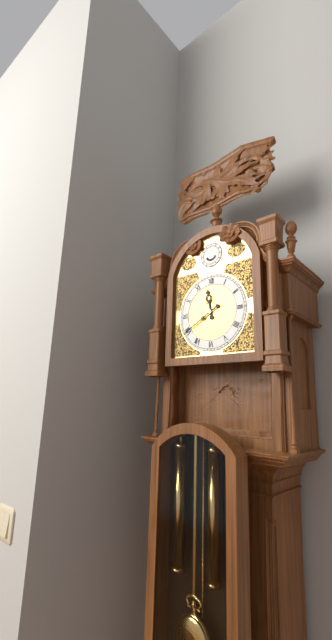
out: 11:40
